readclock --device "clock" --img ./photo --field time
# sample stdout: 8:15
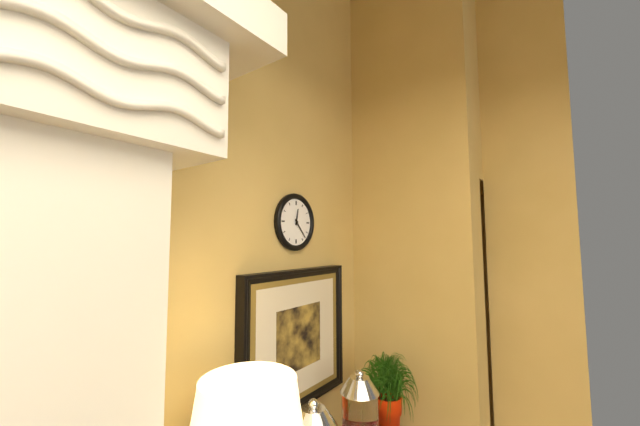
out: 12:23
